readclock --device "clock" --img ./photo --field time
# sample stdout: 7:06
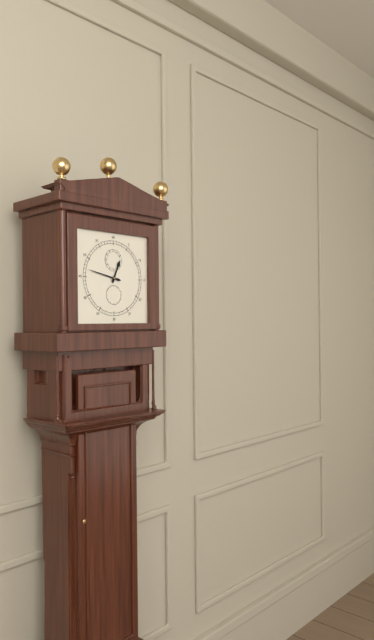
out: 12:47
